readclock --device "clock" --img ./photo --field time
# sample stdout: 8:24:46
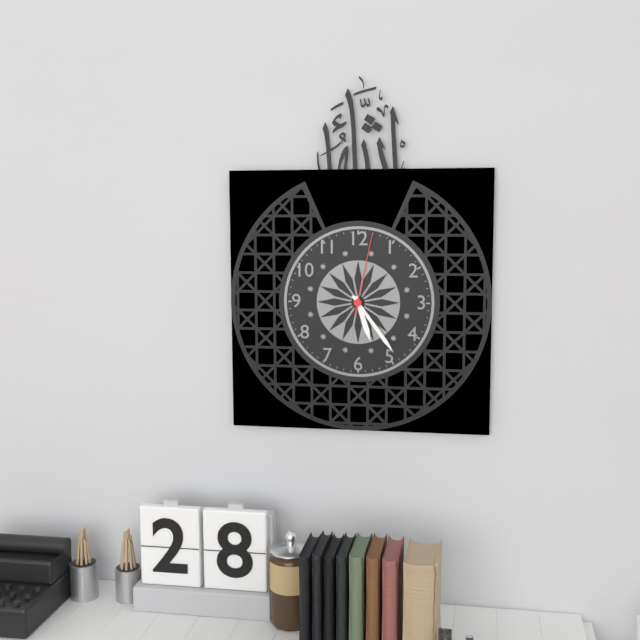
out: 5:24:02
